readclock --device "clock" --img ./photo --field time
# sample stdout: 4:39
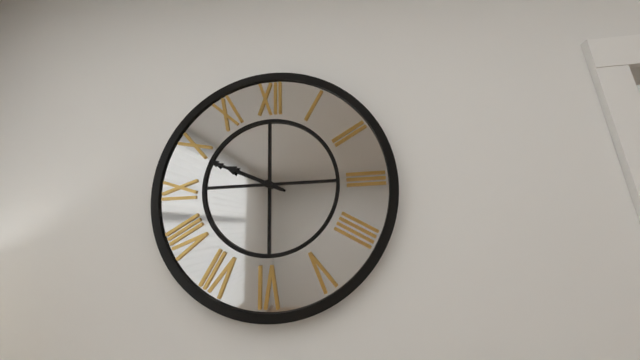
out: 9:49
